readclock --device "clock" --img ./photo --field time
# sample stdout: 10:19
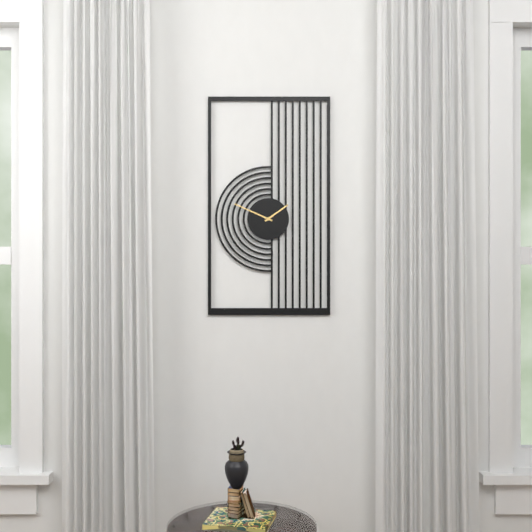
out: 1:49
